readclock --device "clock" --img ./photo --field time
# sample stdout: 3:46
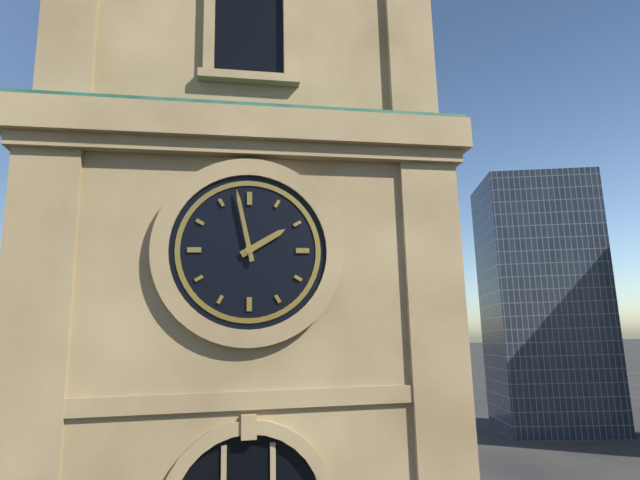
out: 1:58
